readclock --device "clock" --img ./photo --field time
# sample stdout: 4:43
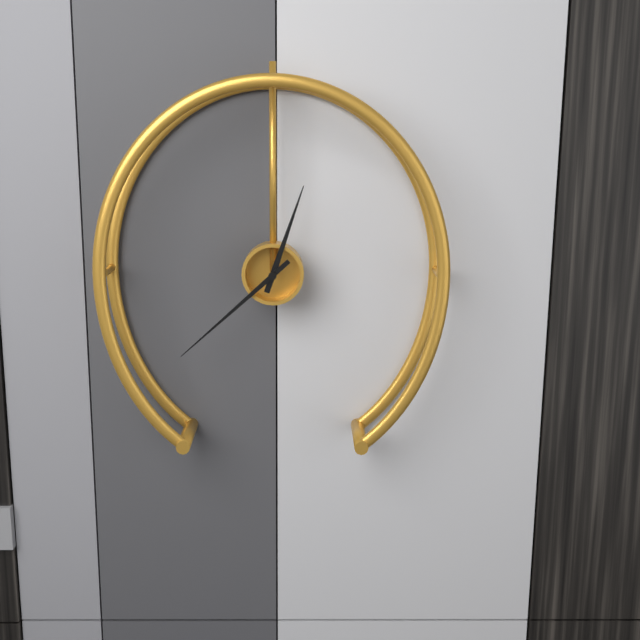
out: 12:38
